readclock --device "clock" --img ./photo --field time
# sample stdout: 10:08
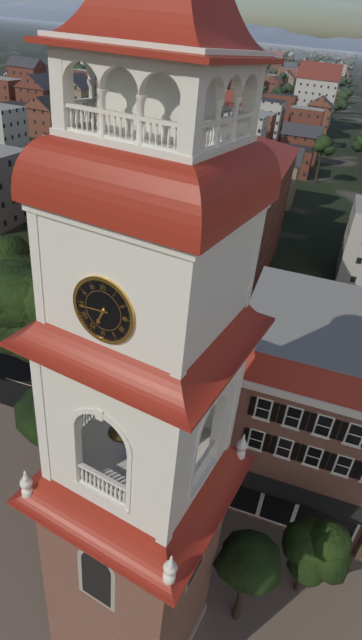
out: 6:44
